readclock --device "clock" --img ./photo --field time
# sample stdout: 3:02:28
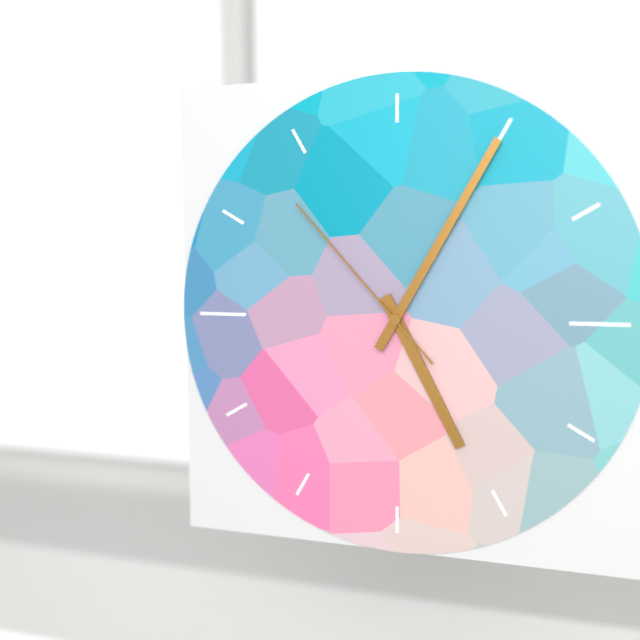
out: 5:05:53
